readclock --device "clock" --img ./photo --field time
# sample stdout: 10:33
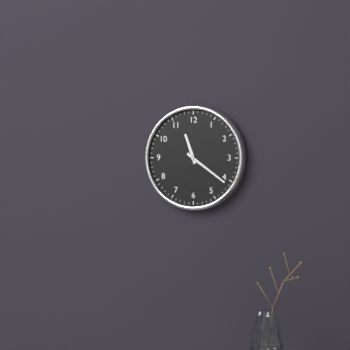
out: 11:21
